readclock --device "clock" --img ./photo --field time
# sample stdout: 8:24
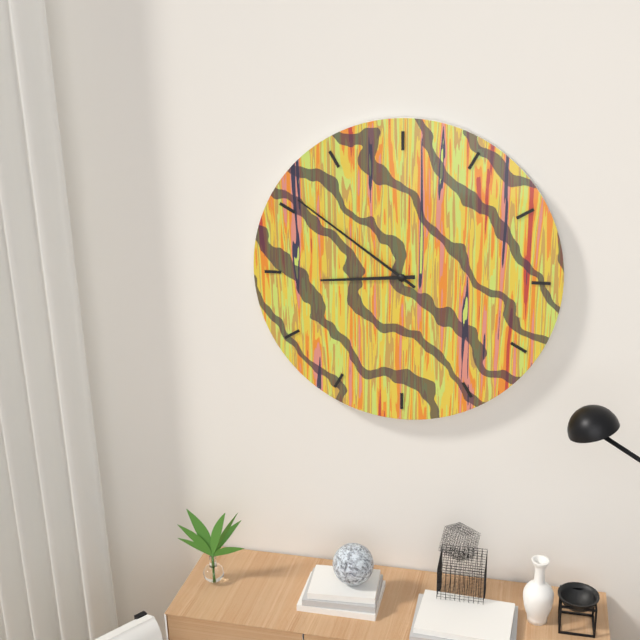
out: 8:51
